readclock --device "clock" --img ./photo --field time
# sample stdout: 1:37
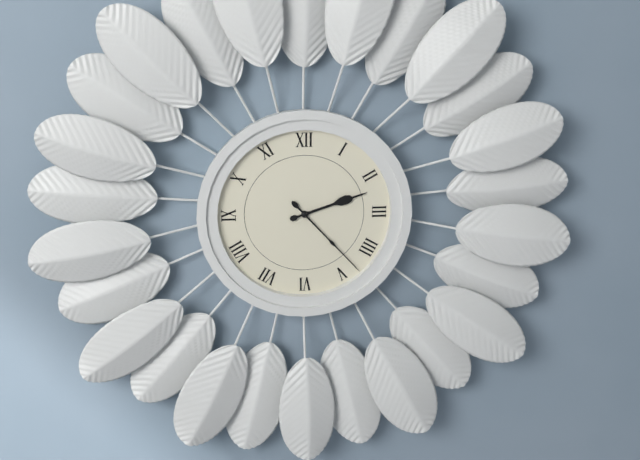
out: 2:23
